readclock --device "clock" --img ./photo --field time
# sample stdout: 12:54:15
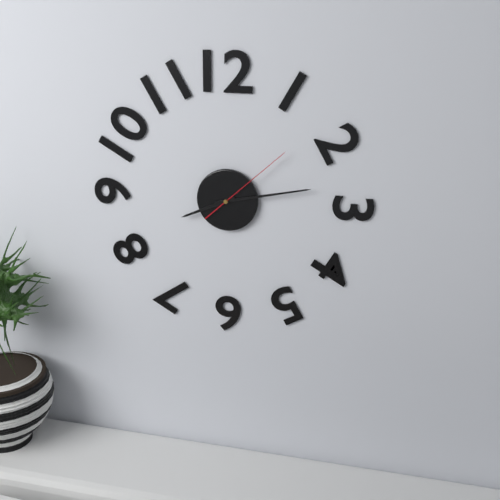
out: 8:13:08
